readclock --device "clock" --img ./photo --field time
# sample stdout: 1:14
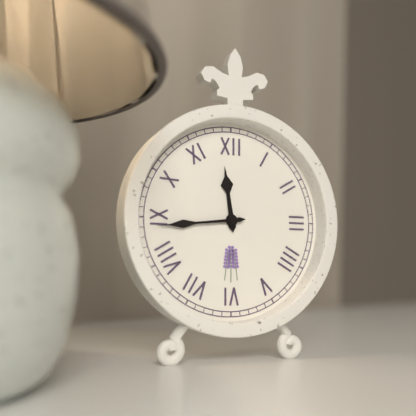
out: 11:44
